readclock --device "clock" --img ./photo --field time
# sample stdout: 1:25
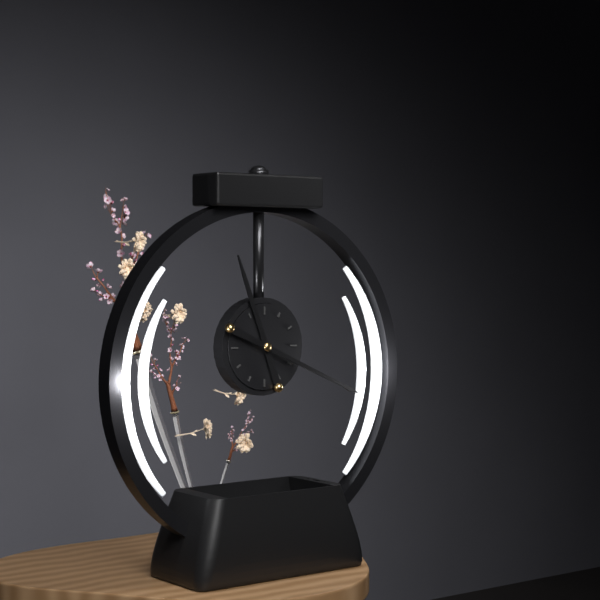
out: 11:19
